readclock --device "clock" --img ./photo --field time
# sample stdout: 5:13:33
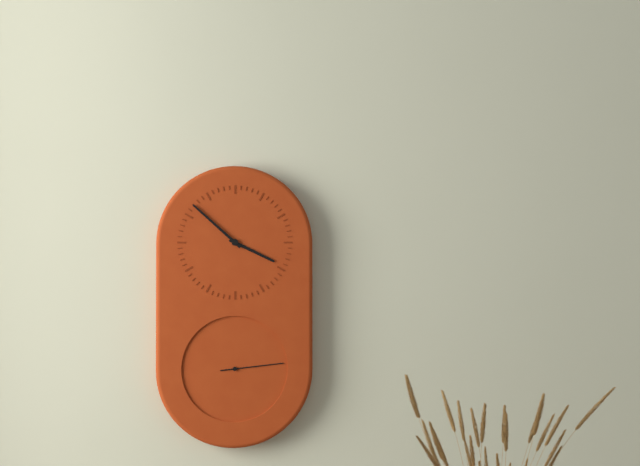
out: 3:52:14
